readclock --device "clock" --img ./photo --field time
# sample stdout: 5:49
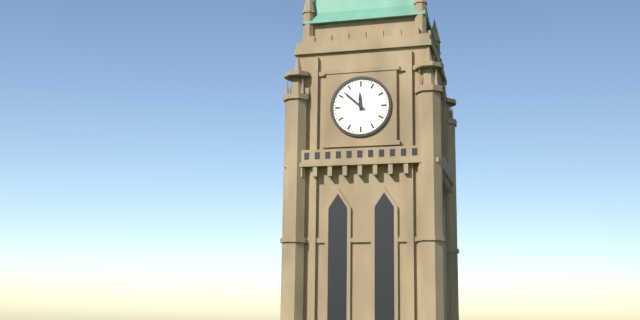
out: 11:52
